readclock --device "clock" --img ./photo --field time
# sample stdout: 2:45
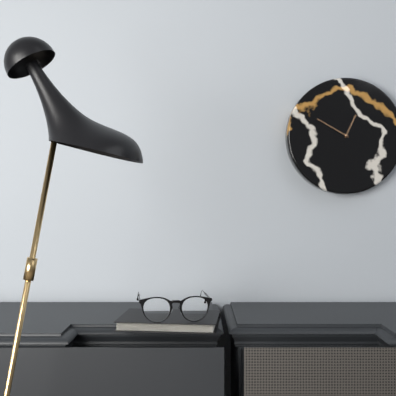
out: 12:50
